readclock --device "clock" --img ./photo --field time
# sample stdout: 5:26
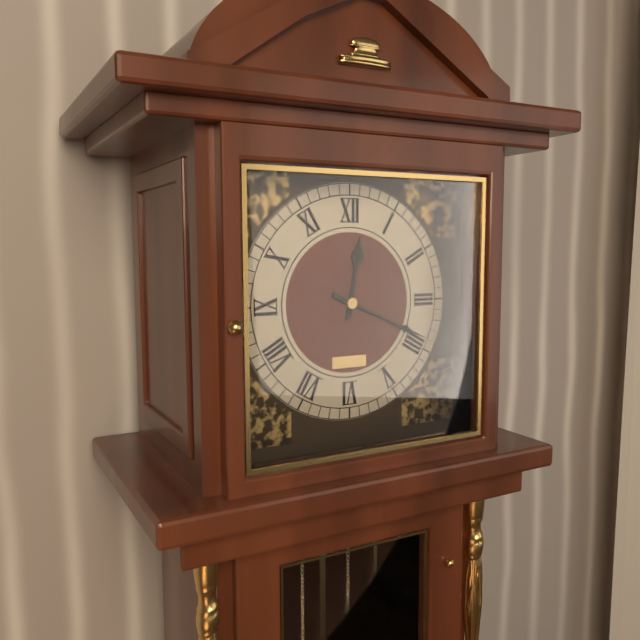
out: 12:19
